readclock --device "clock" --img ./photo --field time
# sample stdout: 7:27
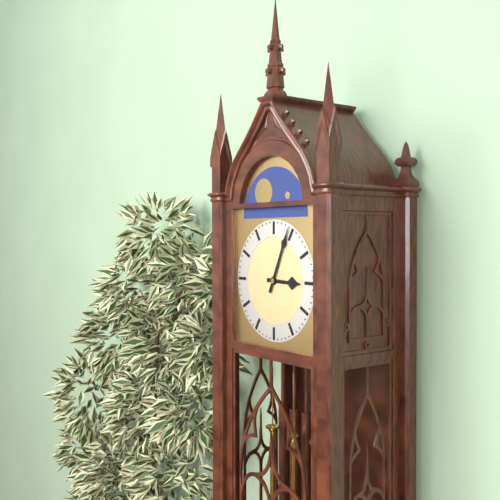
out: 3:04
